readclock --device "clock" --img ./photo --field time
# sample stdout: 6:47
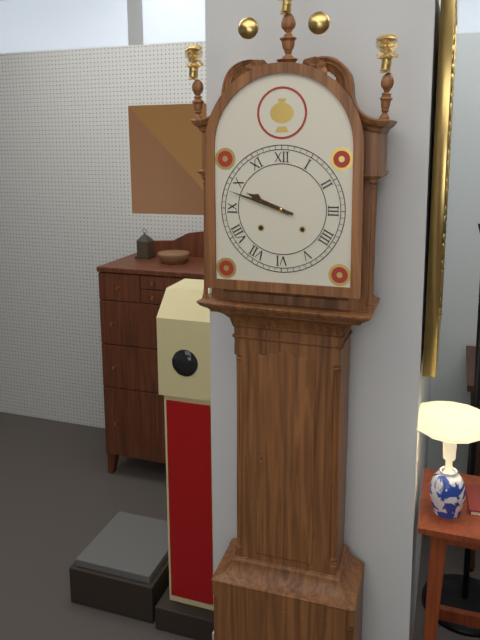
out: 9:48
